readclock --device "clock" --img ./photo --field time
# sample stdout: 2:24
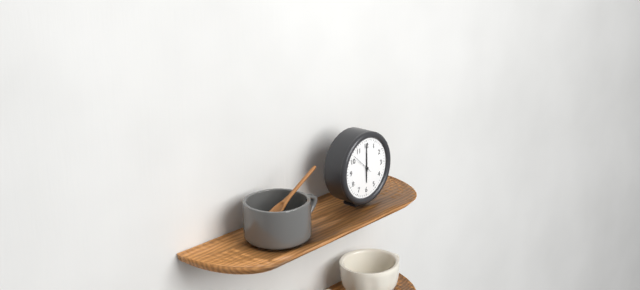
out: 6:00
